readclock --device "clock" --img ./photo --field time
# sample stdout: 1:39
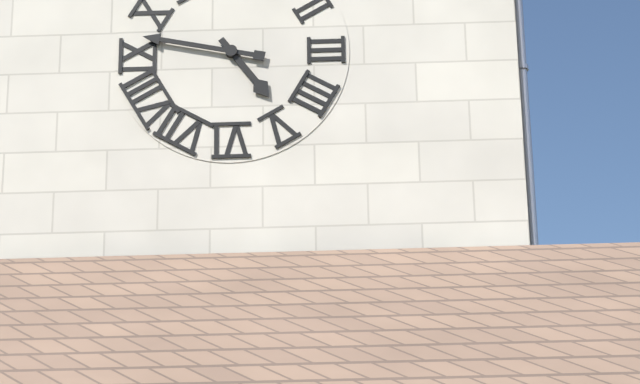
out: 4:47
